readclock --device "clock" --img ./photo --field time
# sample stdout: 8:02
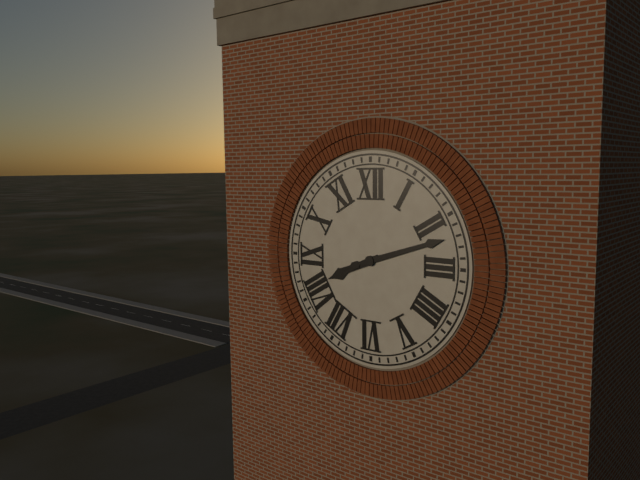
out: 8:12
